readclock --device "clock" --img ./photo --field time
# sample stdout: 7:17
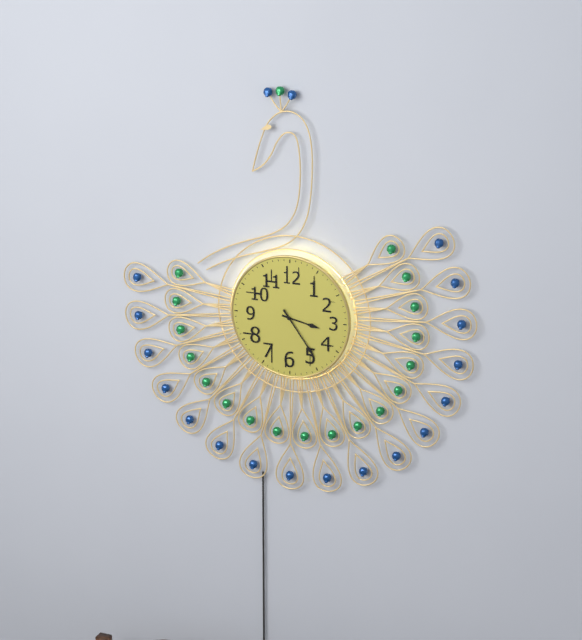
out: 3:24
